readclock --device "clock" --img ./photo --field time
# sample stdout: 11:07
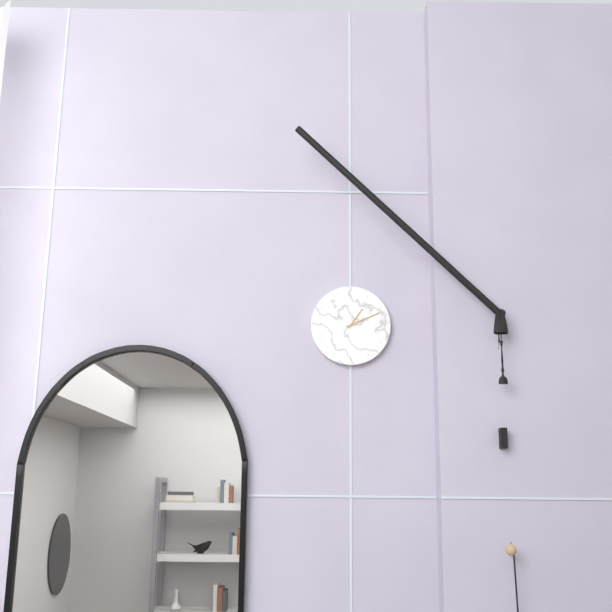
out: 1:11
